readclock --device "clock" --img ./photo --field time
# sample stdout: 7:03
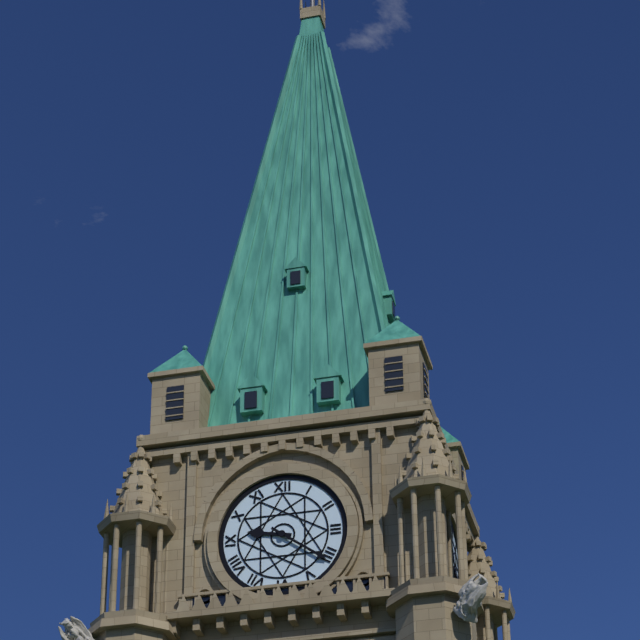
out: 9:21
